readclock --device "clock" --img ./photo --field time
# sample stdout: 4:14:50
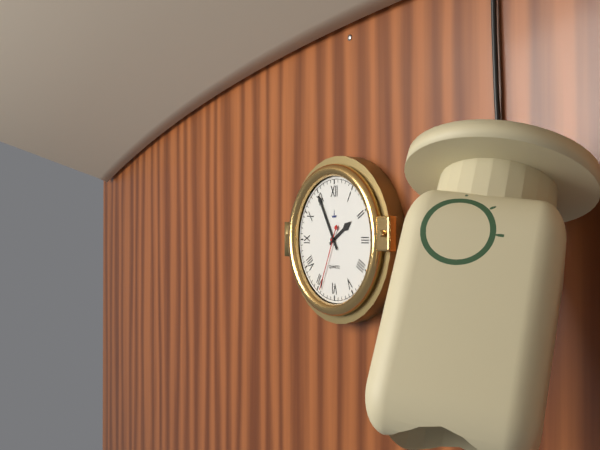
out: 1:55:34
